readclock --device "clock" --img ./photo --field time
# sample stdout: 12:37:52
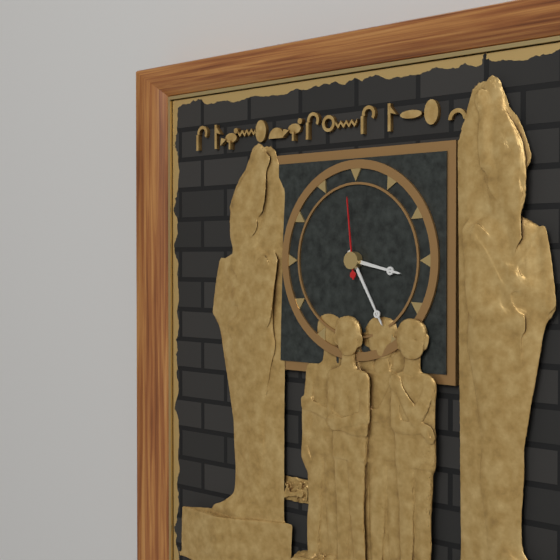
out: 3:25:59
